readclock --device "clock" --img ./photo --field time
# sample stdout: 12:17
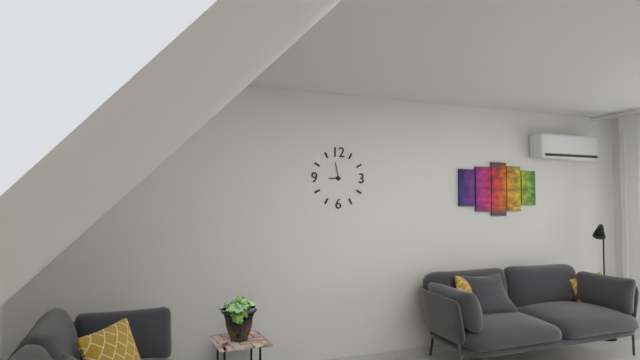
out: 8:58
